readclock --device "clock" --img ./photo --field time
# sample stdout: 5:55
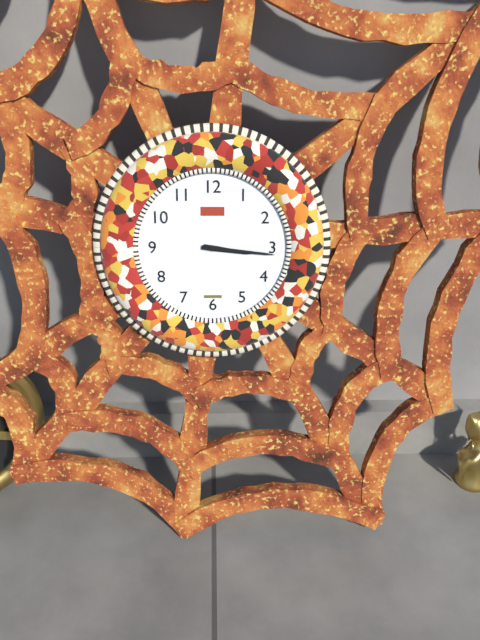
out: 3:16
